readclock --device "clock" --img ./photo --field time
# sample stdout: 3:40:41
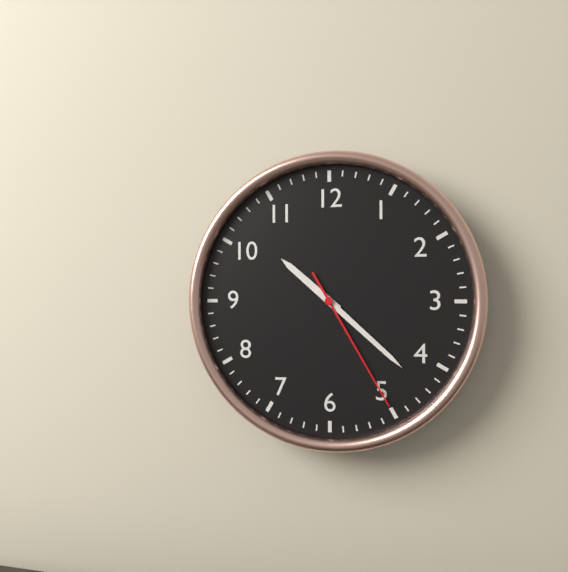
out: 10:22:25
